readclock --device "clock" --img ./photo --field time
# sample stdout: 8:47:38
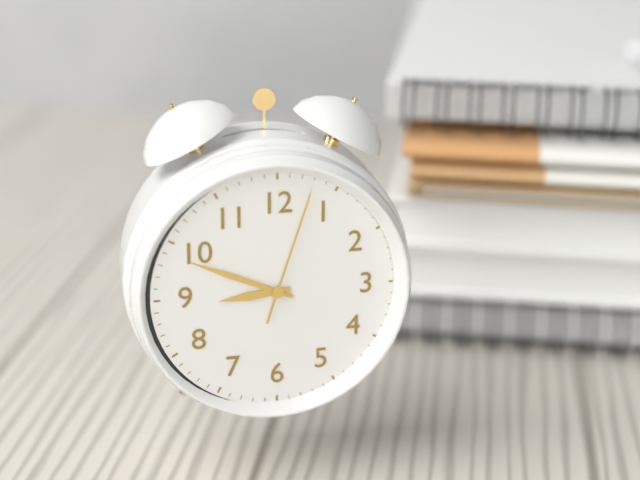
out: 8:49:03
